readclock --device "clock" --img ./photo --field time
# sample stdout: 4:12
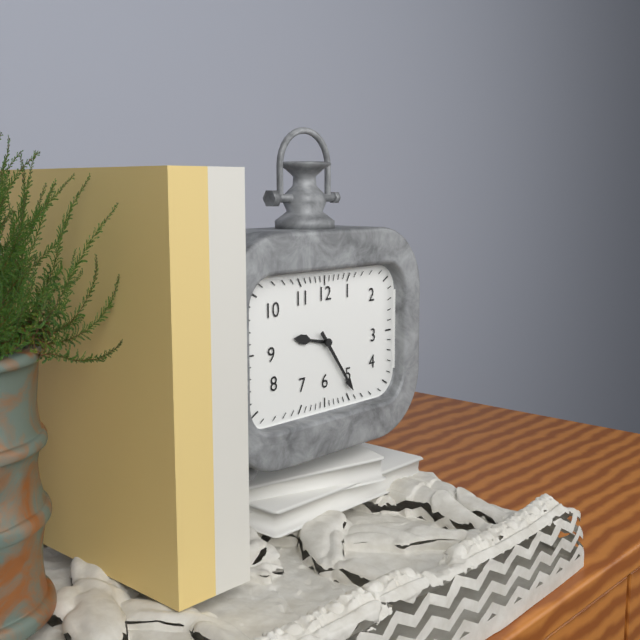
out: 9:24
